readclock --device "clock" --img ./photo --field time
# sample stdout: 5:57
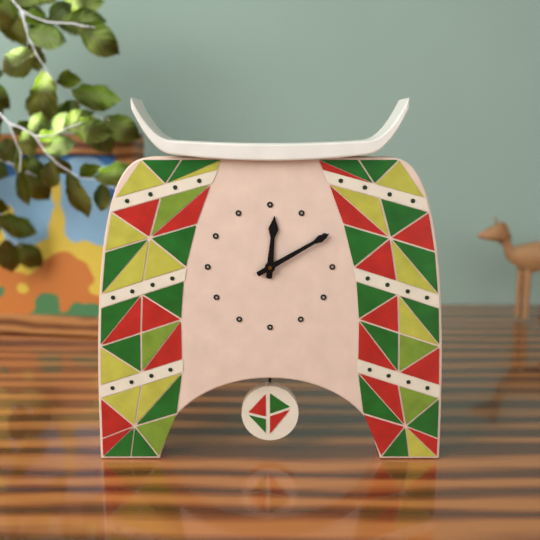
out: 12:10
